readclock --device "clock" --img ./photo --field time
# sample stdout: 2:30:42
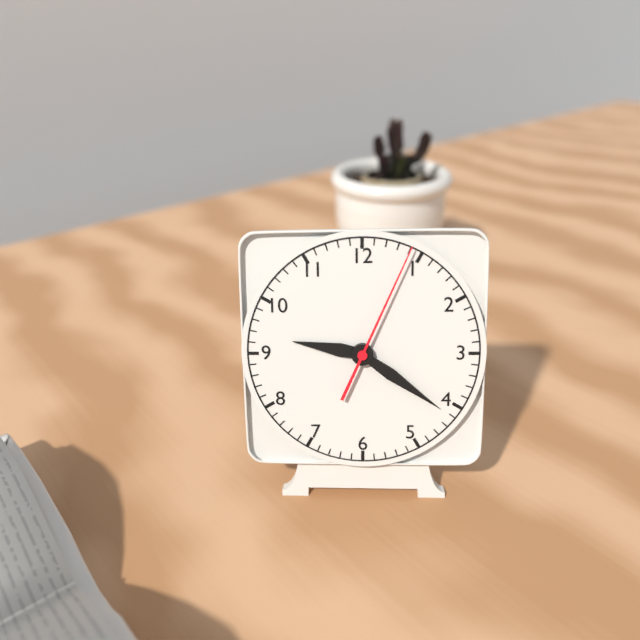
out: 9:21:04
